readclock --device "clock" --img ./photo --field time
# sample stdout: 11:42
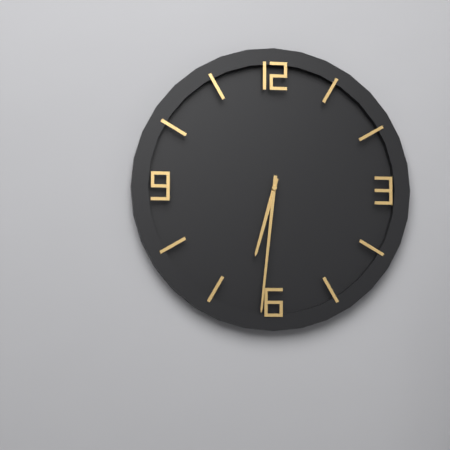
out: 6:31
